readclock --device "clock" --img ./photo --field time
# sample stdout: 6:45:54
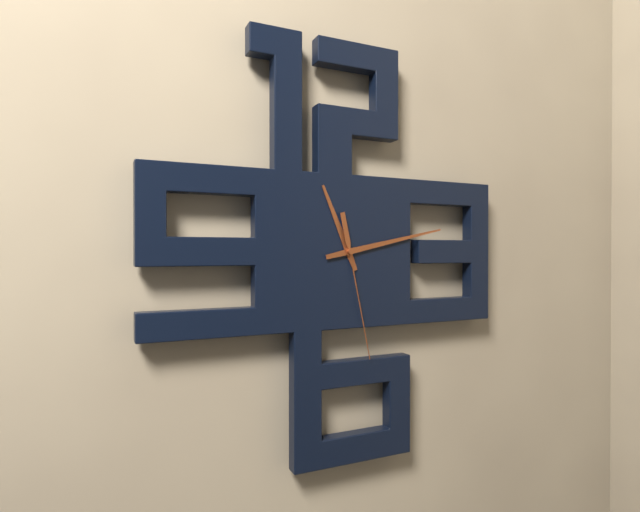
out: 11:13:28
